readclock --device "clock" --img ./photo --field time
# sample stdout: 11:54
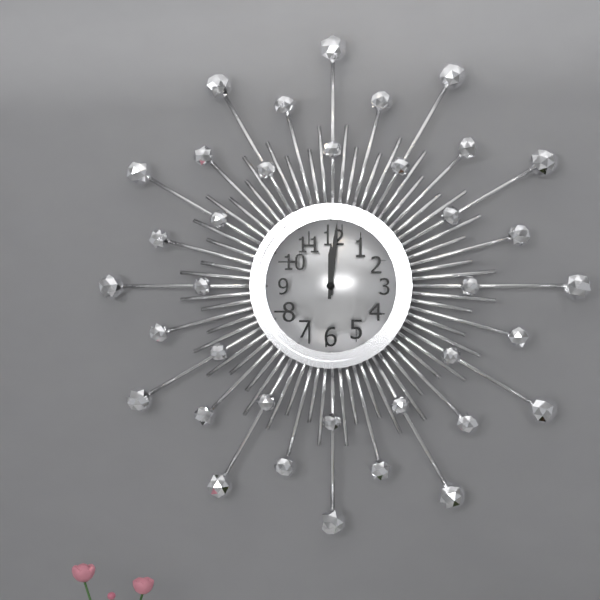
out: 12:01
